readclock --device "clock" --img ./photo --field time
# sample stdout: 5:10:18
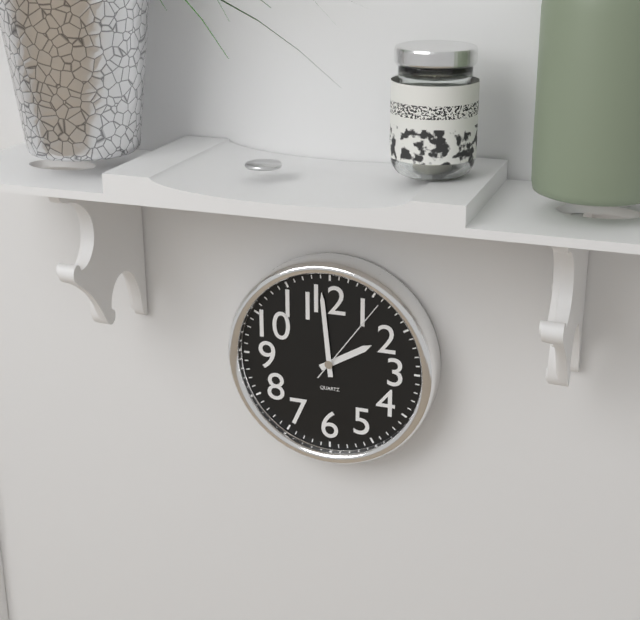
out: 1:59:06
